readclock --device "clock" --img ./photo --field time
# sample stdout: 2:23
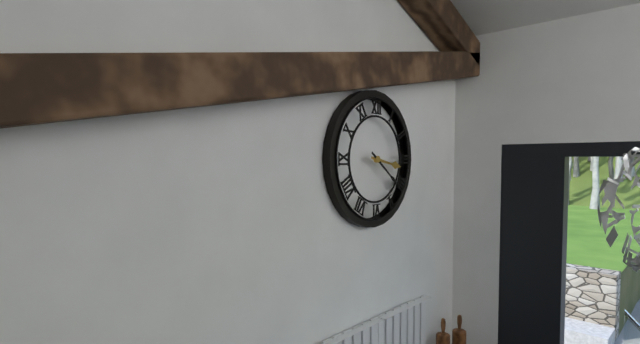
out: 3:21
